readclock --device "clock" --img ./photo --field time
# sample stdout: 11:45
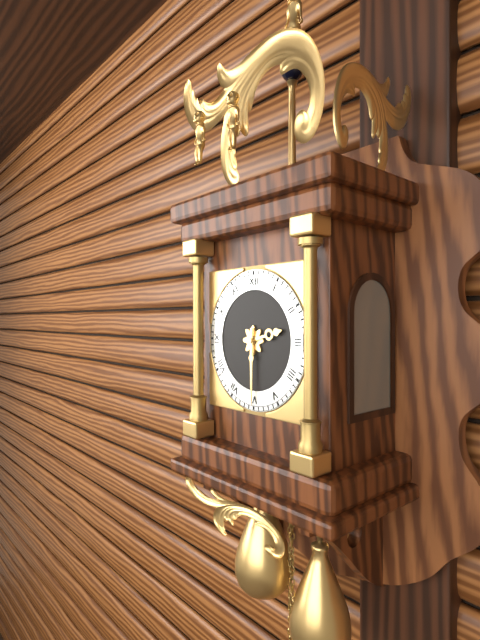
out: 2:30
